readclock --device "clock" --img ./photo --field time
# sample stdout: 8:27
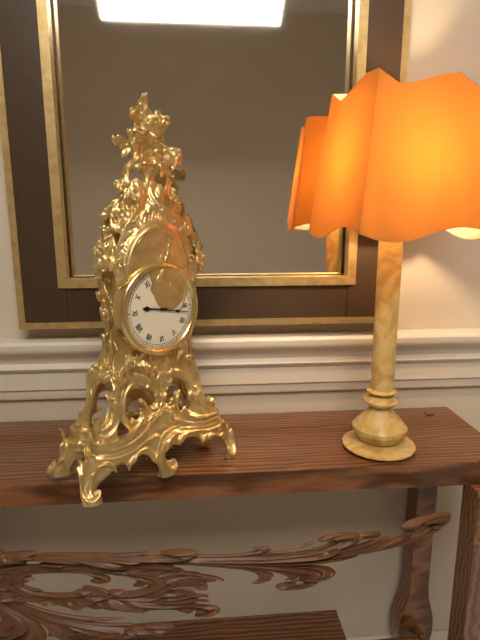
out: 9:17
